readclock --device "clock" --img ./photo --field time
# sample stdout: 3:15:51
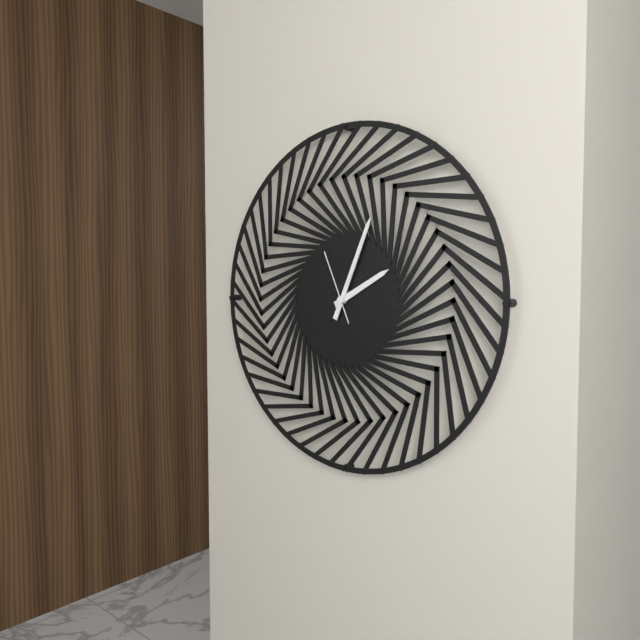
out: 2:04:56
